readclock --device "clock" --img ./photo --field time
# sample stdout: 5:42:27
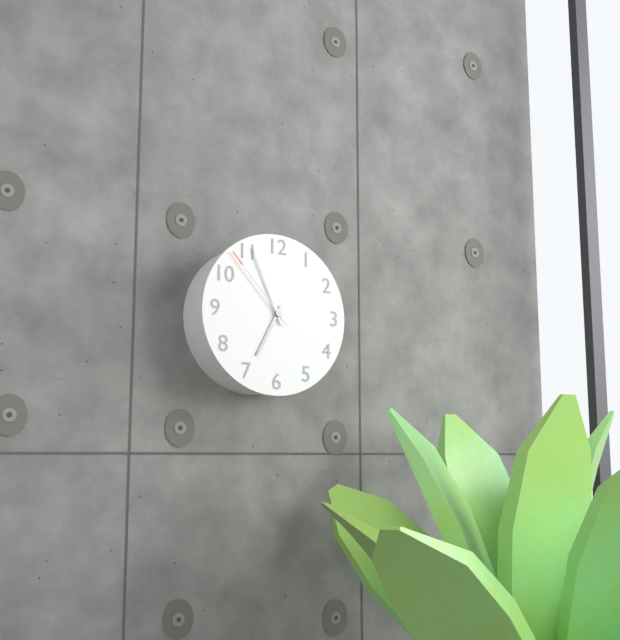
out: 6:56:53
